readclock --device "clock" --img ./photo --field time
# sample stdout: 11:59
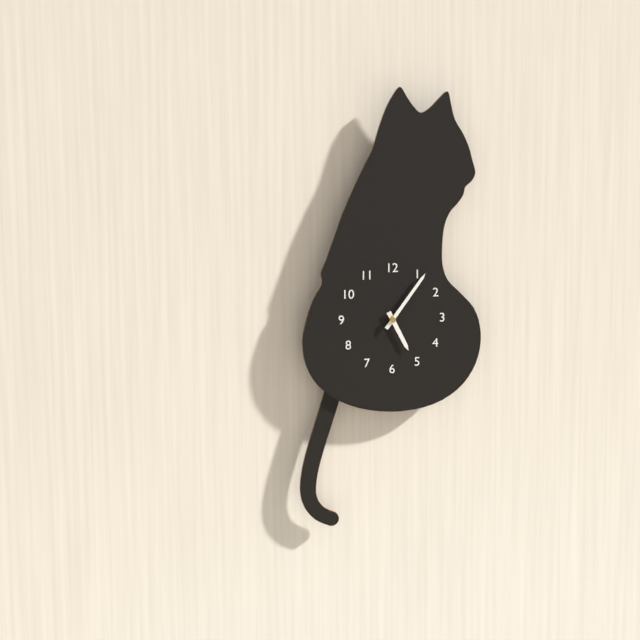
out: 5:06
